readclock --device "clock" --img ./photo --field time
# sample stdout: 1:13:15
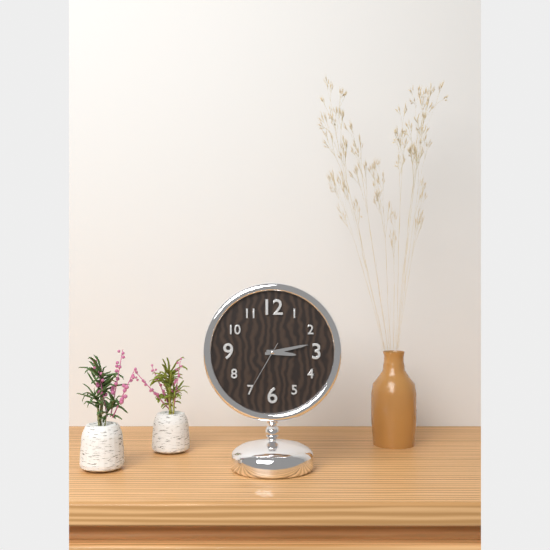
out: 3:13:35
